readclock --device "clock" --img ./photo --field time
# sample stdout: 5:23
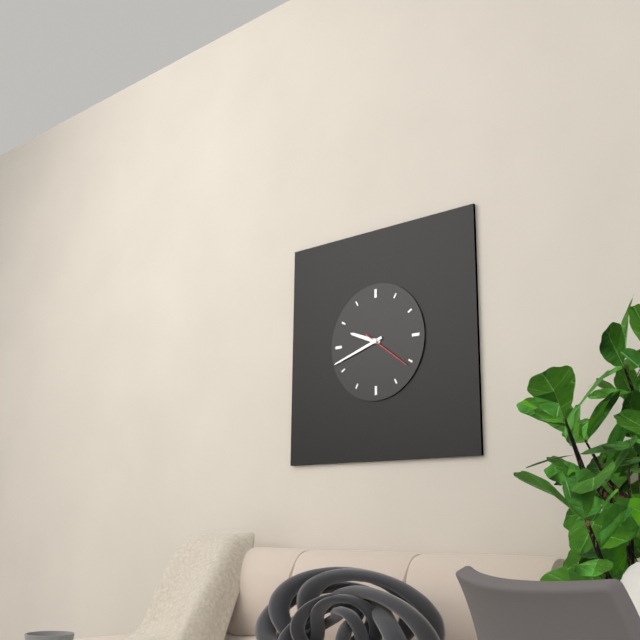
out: 9:42
